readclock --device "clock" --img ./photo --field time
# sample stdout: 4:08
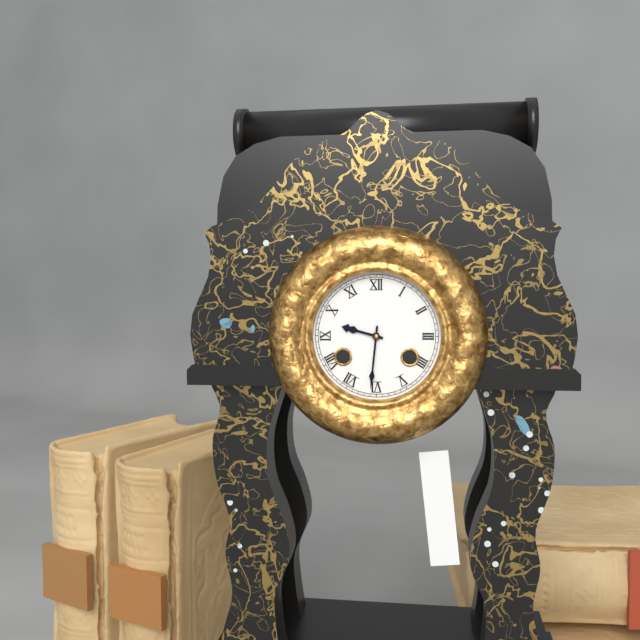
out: 9:31
